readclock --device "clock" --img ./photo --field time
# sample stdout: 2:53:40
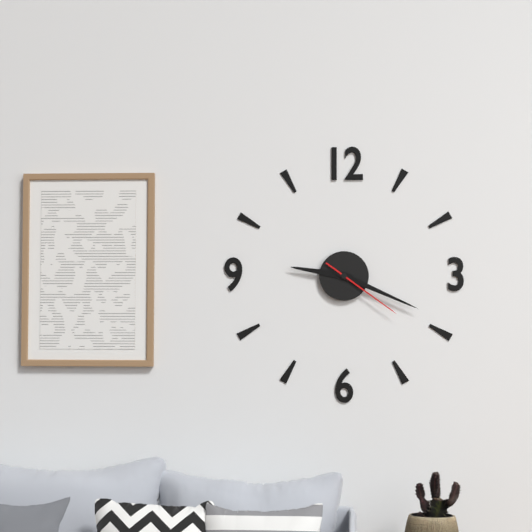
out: 9:19:21
